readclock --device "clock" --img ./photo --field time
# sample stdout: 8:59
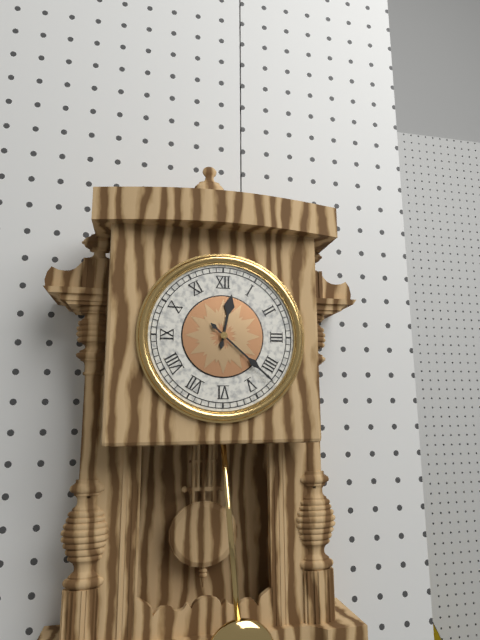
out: 12:22
